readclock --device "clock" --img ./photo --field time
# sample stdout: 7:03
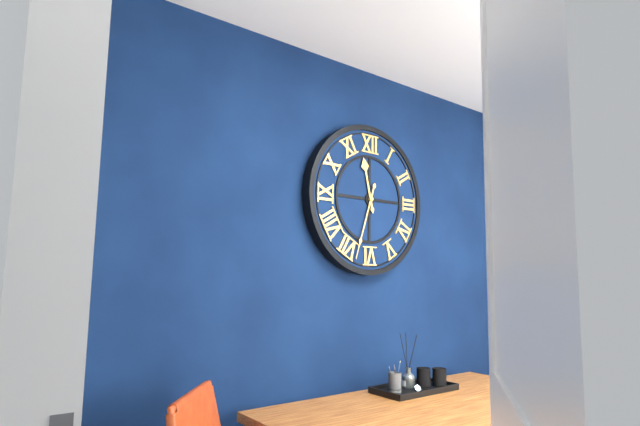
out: 11:33
